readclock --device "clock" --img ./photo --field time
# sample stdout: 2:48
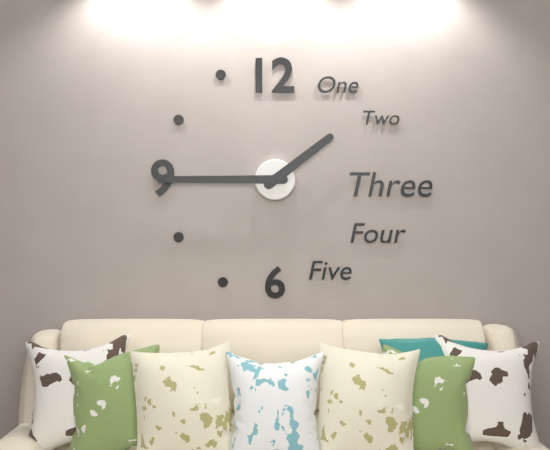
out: 1:45
